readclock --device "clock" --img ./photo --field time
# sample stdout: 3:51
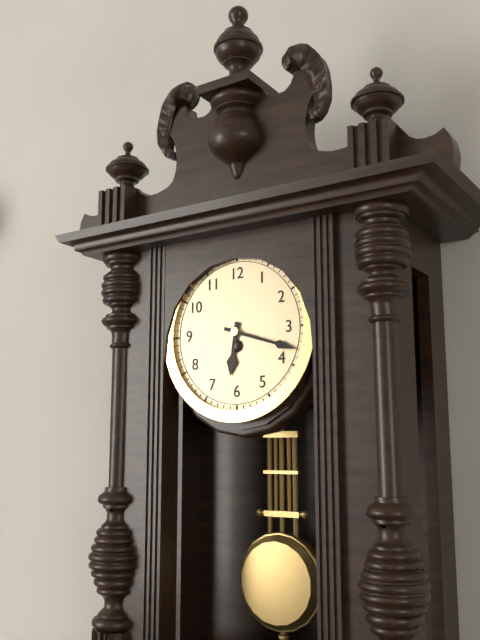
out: 6:18
